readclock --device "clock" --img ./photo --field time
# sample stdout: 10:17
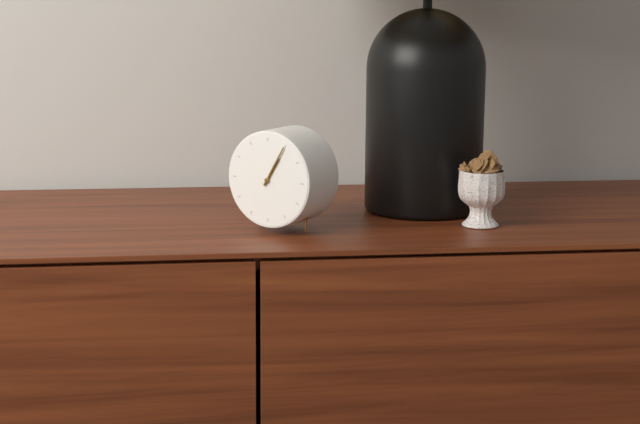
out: 1:05
